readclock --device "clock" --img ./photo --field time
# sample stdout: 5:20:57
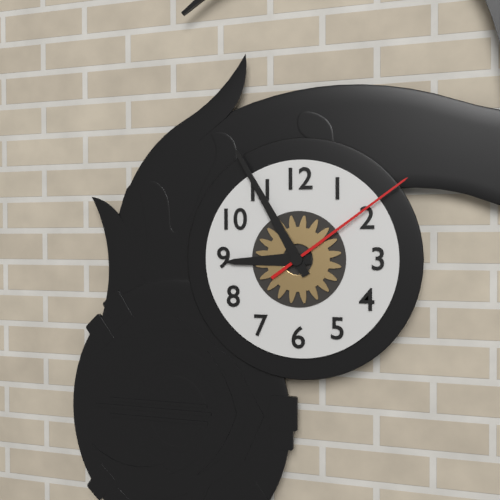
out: 8:55:09
